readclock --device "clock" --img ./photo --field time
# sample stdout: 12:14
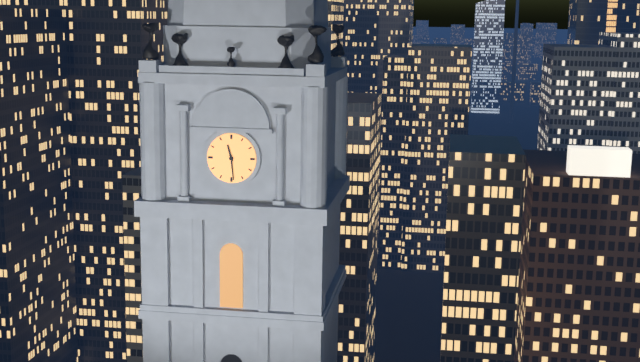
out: 11:29
